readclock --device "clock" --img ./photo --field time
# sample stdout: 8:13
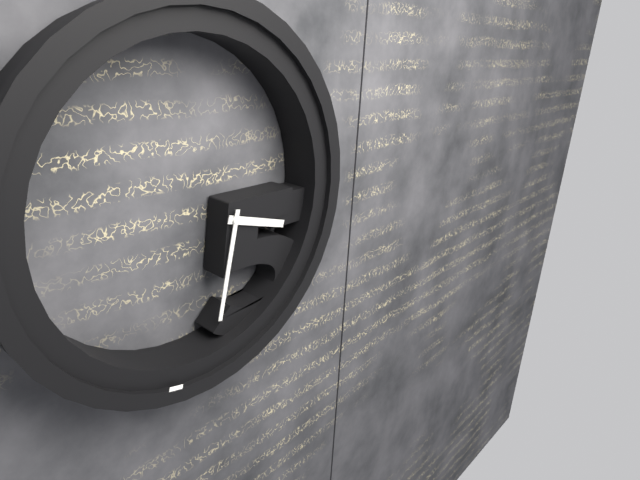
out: 3:32
